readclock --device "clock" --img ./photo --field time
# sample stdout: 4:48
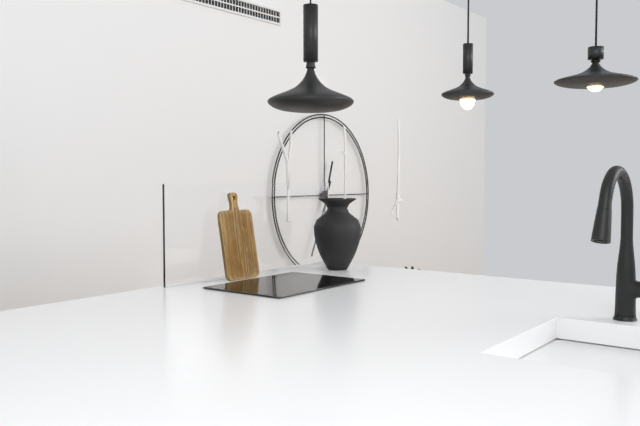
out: 12:34
